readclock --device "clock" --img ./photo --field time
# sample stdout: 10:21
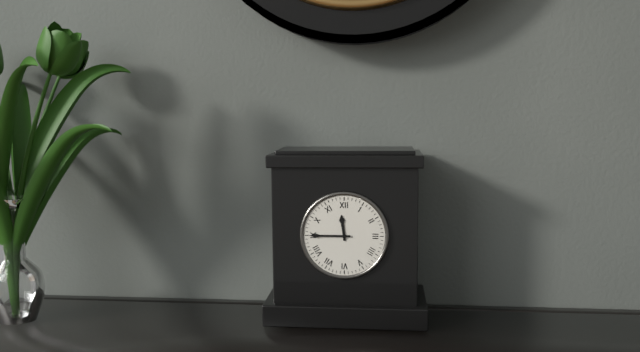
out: 11:45
